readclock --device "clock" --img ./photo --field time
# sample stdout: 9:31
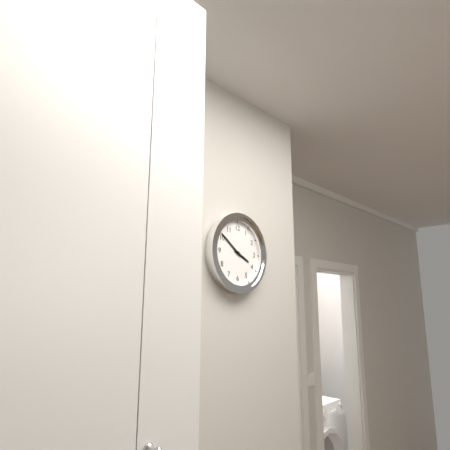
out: 3:51
